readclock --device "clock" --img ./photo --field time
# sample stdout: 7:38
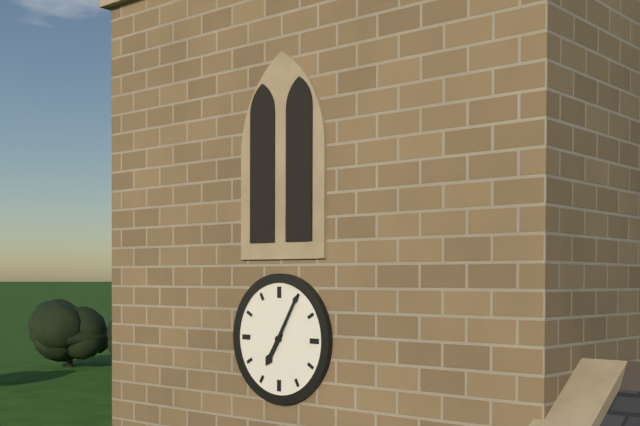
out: 7:05
